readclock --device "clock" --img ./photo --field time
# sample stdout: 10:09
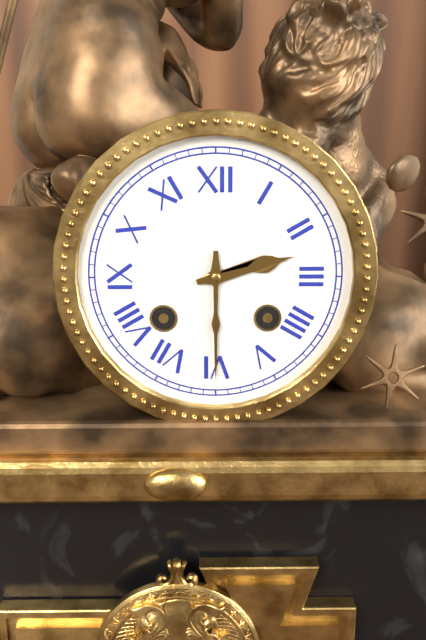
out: 2:30
